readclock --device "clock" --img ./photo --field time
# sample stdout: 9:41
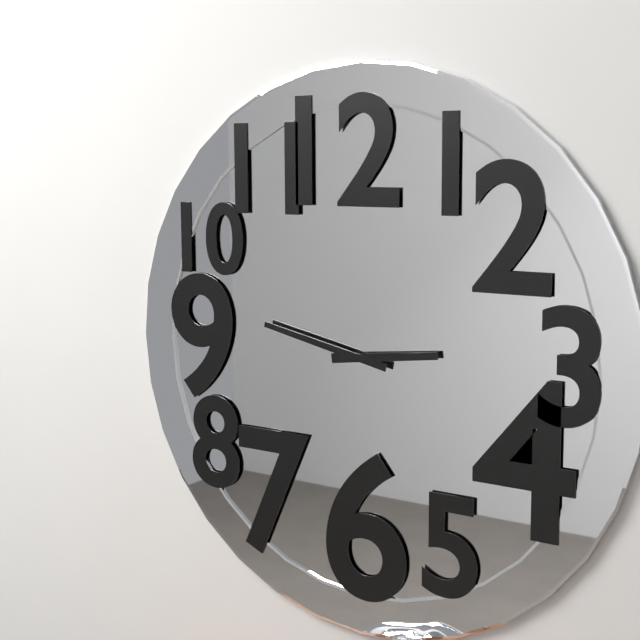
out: 2:47
